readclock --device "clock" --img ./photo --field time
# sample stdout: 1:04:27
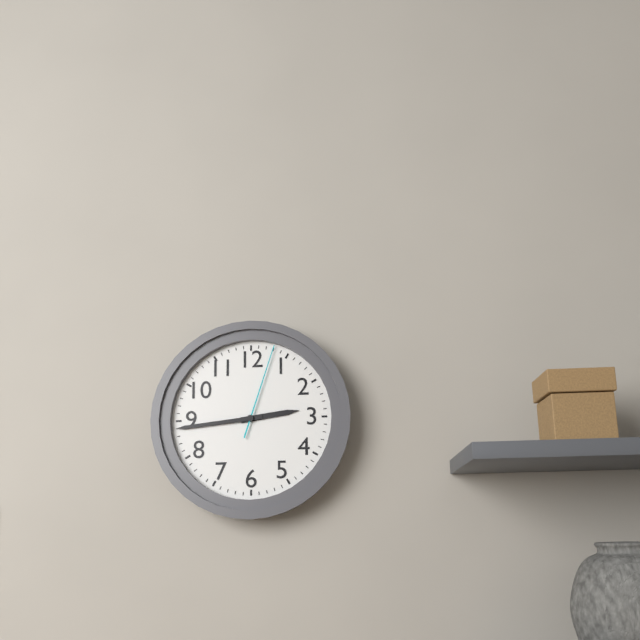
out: 2:44:03
